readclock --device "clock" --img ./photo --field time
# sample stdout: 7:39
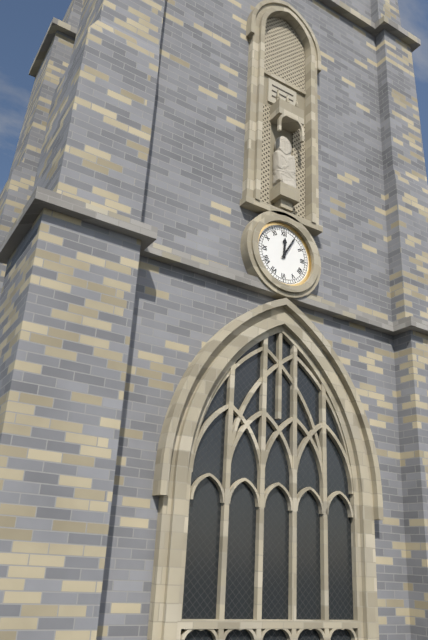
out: 12:05
